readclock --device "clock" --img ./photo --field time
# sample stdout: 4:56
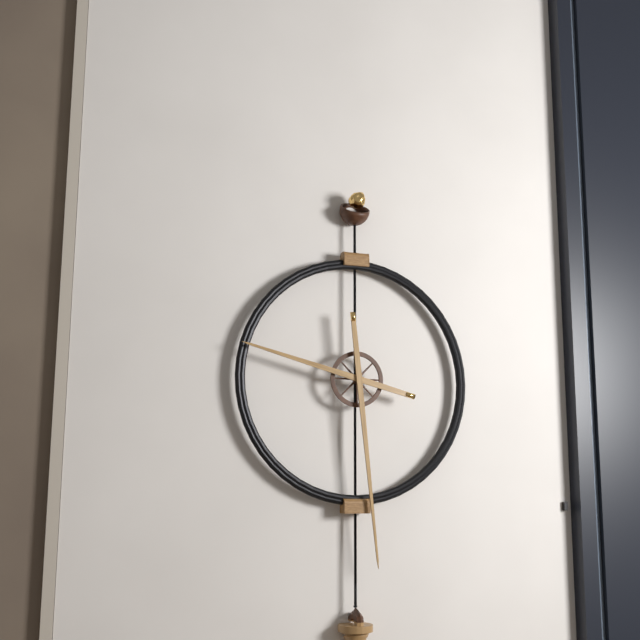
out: 9:29
